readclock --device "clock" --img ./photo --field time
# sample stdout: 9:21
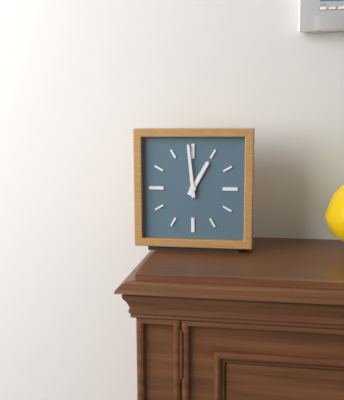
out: 12:59
